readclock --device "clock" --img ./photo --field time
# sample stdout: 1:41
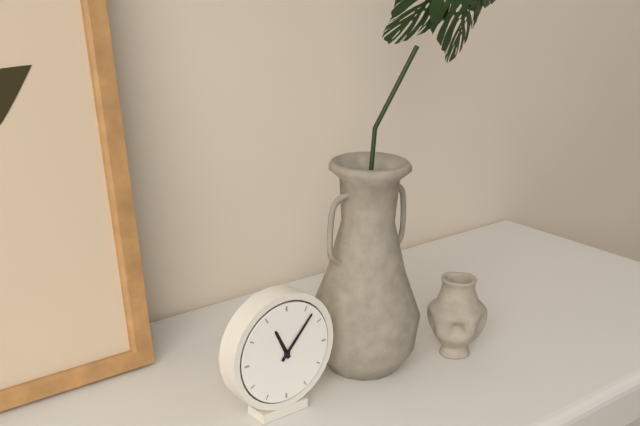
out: 11:07
